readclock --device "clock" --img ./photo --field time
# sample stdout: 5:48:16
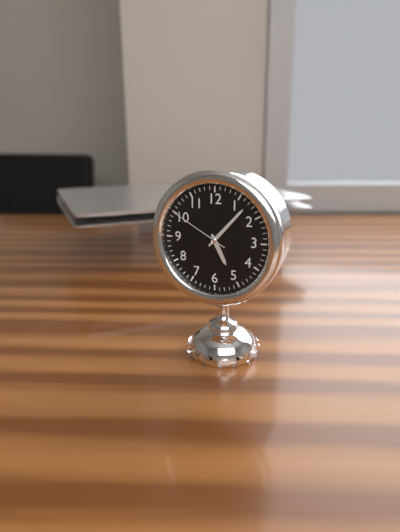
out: 5:07:50
